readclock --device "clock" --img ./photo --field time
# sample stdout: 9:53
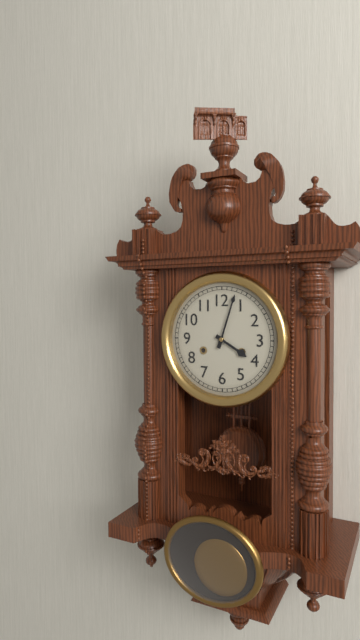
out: 4:03
